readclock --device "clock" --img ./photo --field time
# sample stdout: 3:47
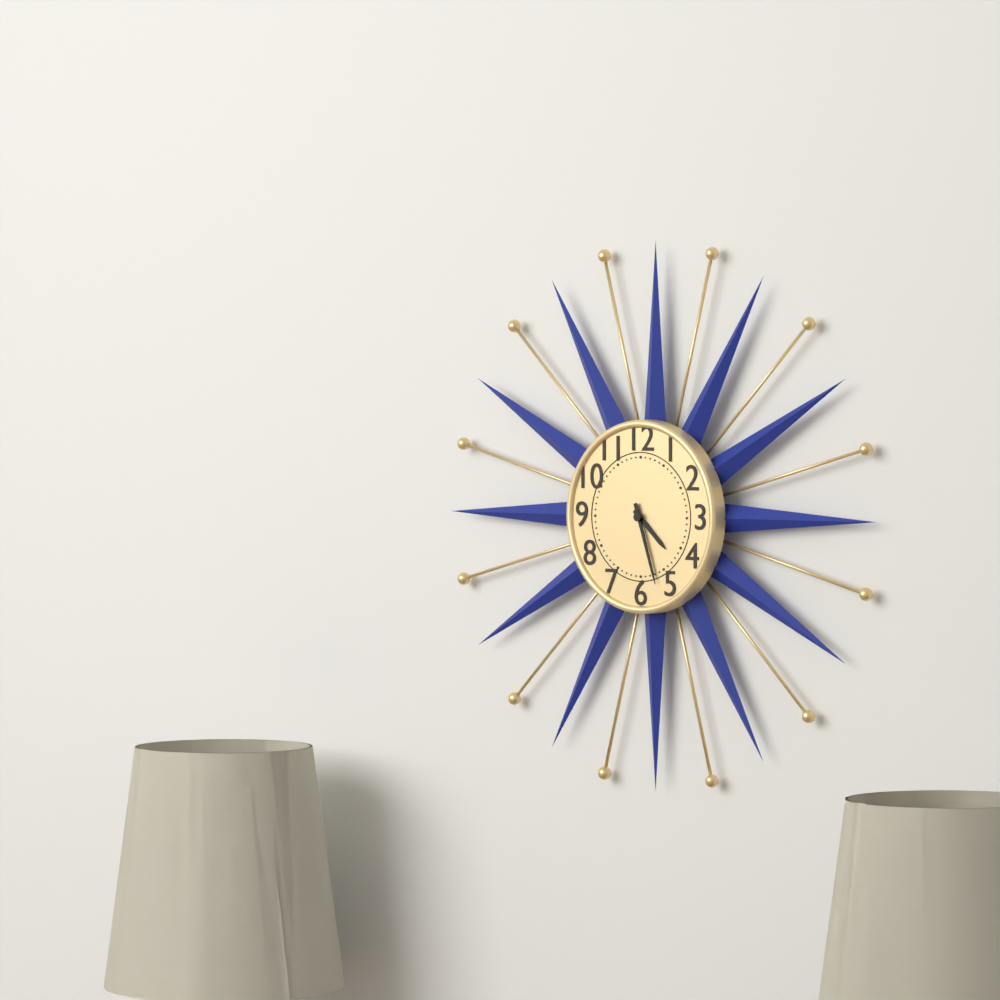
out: 4:27
